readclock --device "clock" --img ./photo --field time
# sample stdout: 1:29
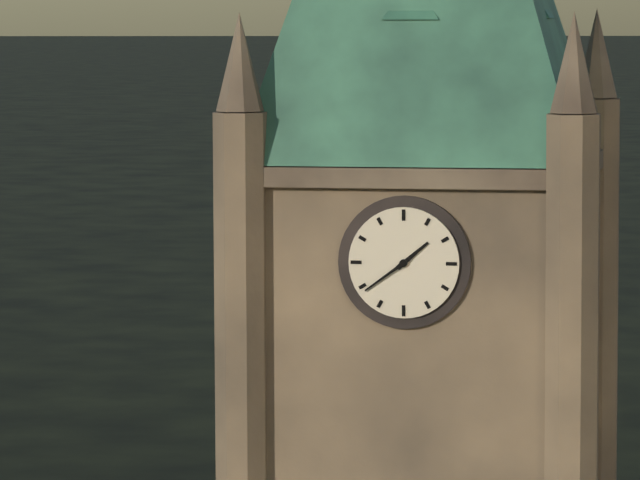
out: 1:39
